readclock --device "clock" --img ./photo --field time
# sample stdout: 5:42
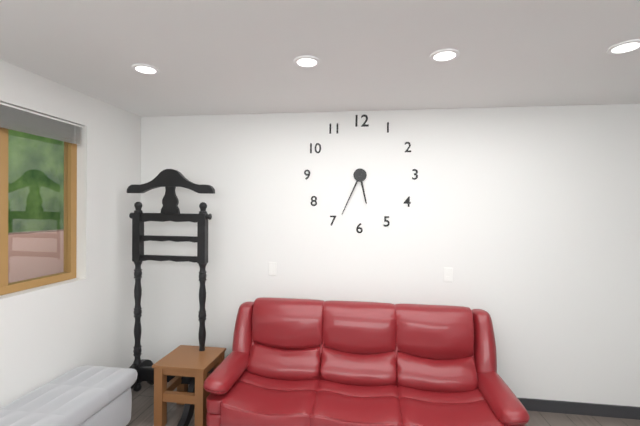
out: 5:34
